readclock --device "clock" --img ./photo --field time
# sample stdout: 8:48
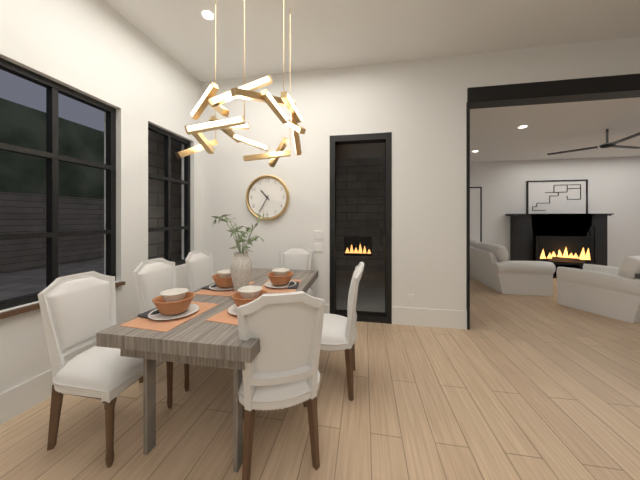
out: 10:35
